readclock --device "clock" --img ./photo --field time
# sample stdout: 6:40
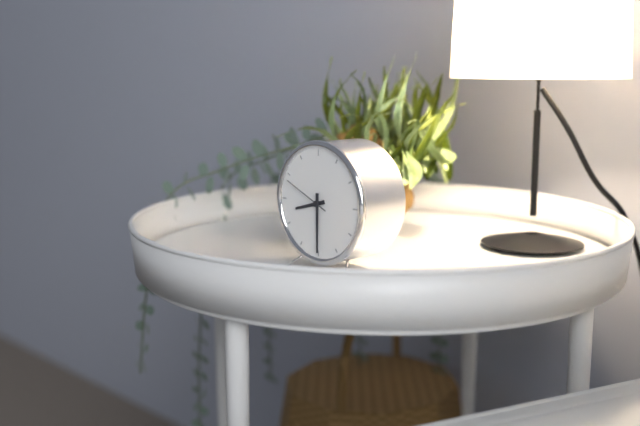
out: 8:30
